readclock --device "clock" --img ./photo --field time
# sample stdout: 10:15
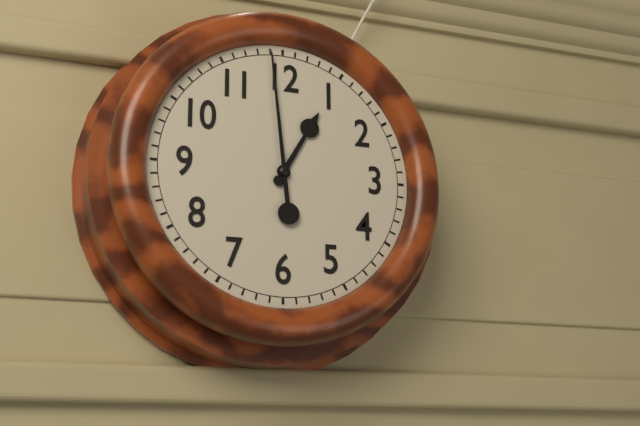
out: 12:59
